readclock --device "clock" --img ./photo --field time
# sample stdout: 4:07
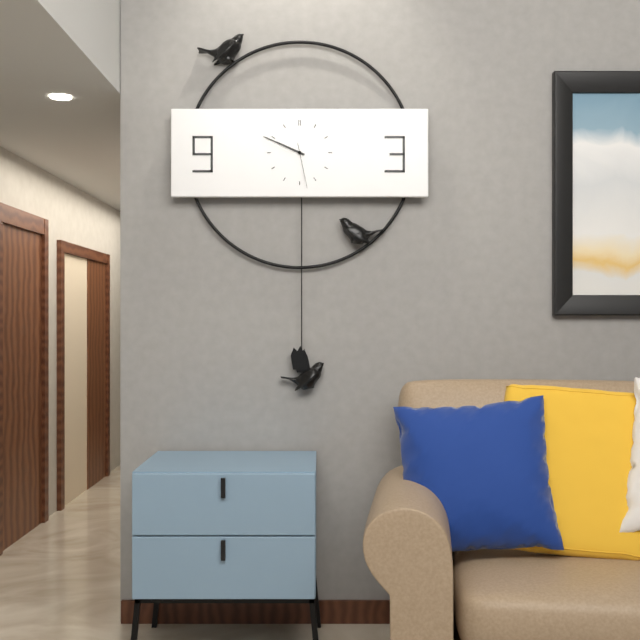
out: 9:49
